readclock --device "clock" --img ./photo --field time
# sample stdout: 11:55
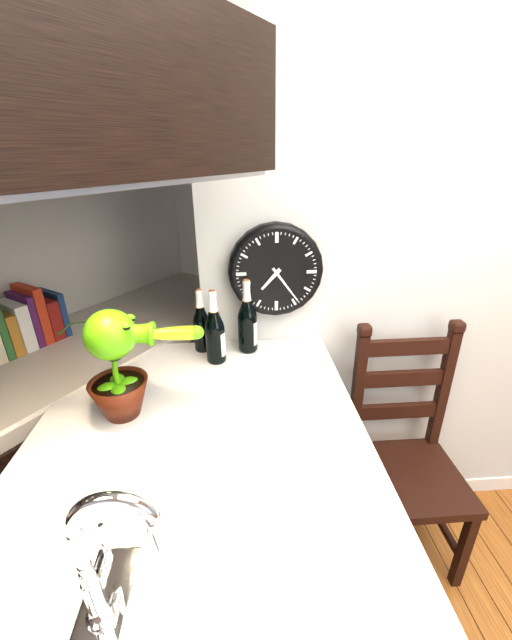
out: 7:24
